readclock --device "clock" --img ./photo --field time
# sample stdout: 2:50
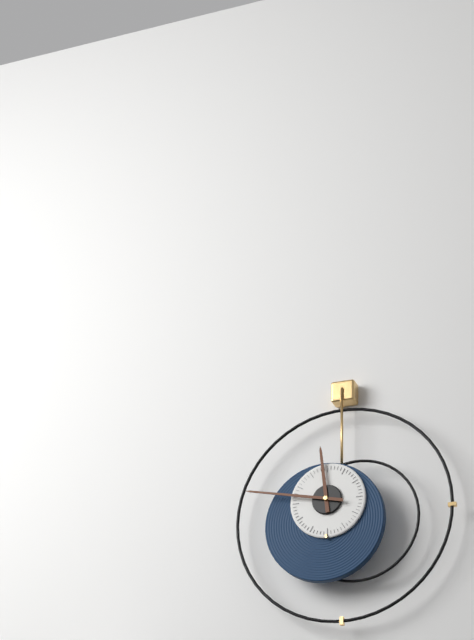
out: 11:47
